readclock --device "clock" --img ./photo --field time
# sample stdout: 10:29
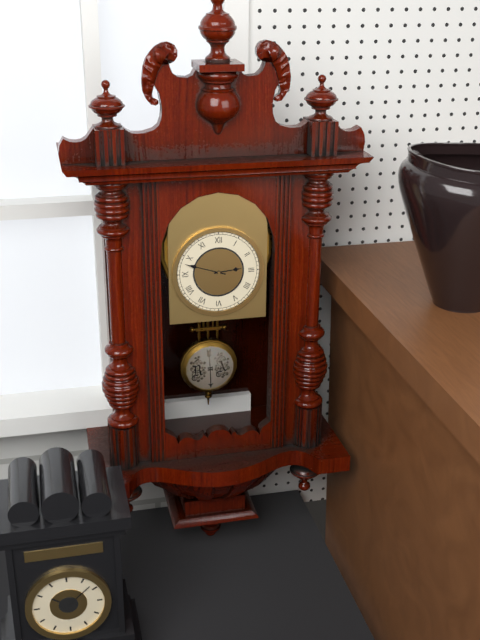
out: 2:48
